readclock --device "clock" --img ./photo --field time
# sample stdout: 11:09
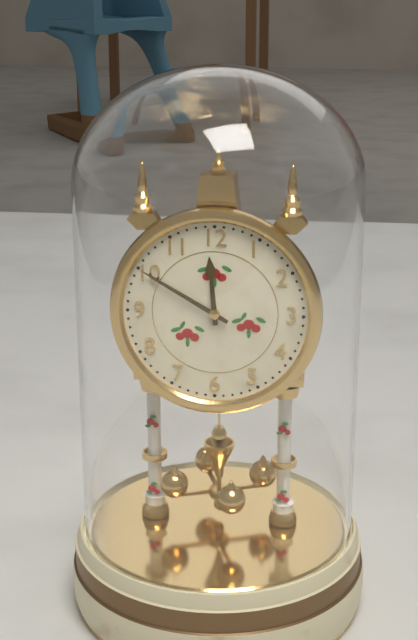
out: 11:50
